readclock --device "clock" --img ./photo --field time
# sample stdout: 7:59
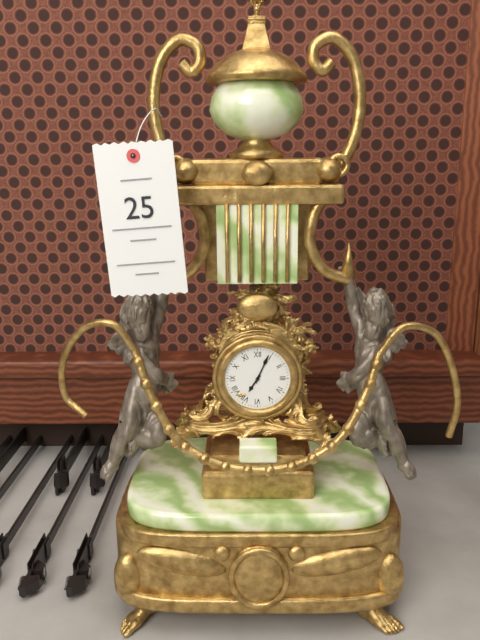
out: 7:04
